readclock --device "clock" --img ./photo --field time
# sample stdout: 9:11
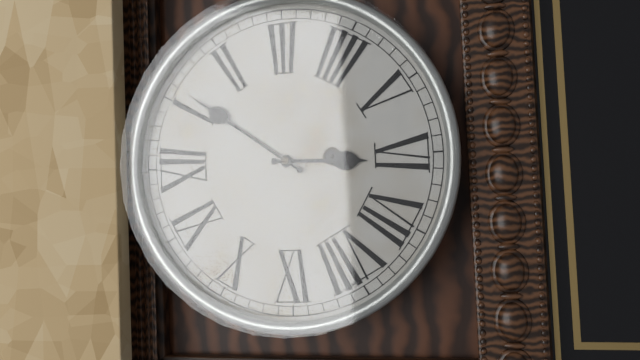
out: 6:06
